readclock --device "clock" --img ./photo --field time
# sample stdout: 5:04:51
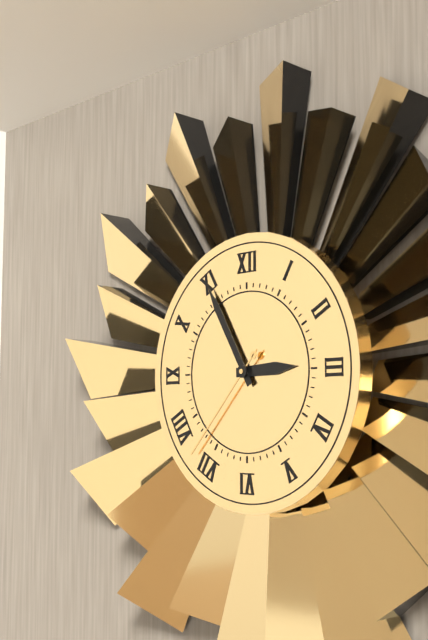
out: 2:55:37
